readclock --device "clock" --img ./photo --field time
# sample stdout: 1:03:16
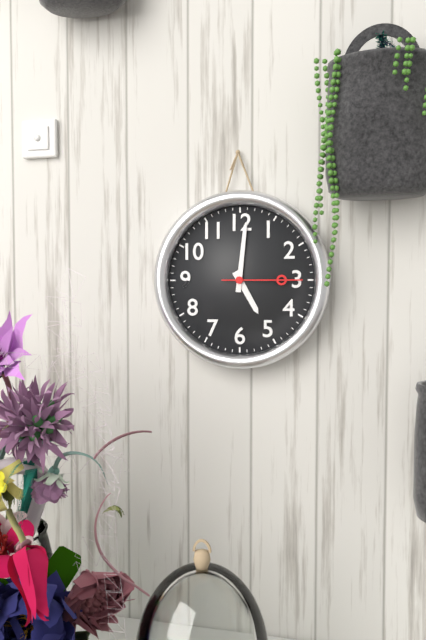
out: 5:01:15
